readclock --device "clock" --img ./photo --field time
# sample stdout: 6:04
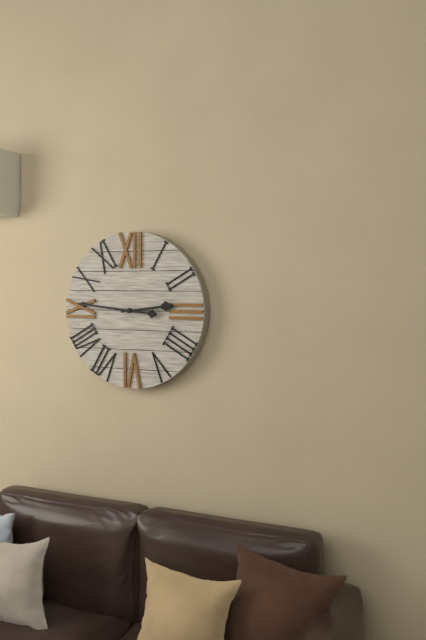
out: 2:46
